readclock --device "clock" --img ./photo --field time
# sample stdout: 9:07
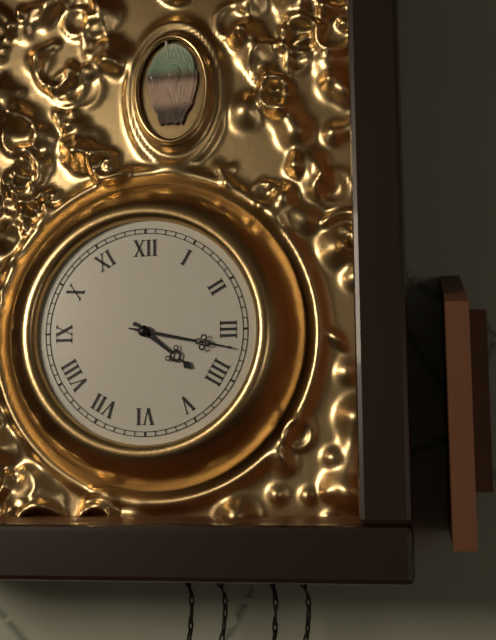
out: 4:17
